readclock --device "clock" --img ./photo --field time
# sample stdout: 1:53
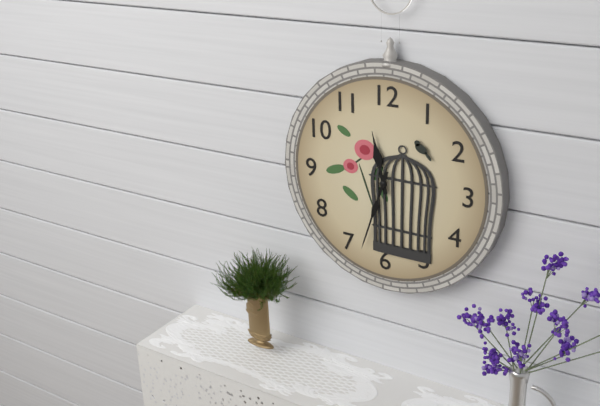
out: 11:33
